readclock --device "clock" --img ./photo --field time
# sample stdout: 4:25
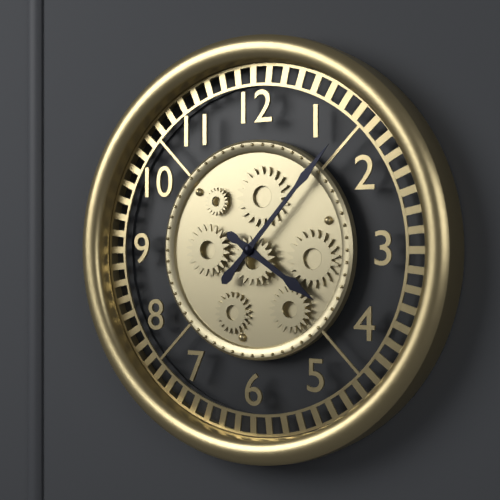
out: 4:07
